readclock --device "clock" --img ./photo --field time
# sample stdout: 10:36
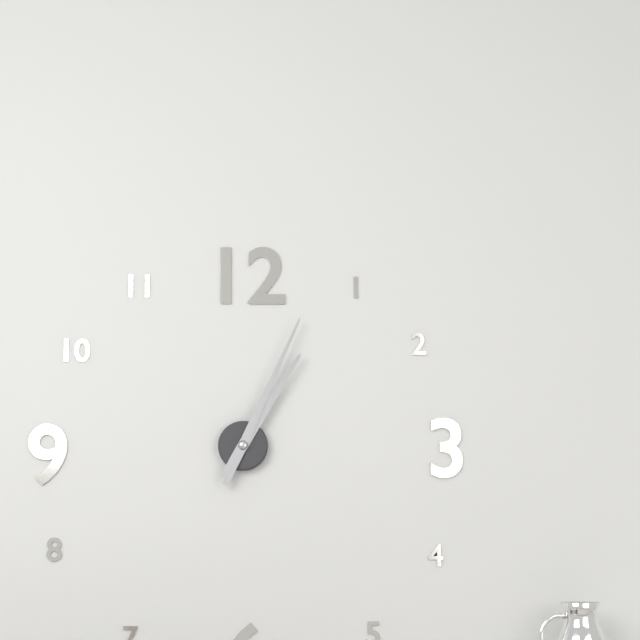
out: 1:04
